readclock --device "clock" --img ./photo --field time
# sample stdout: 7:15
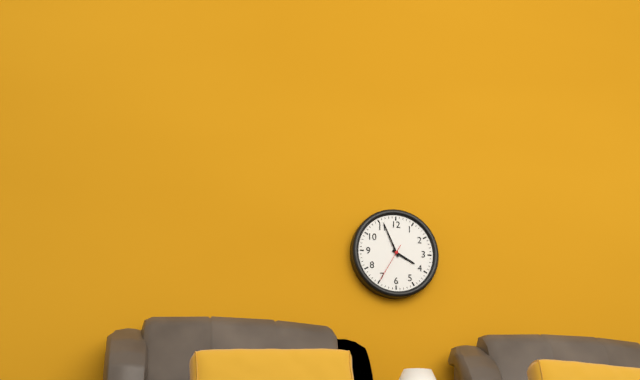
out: 3:56
